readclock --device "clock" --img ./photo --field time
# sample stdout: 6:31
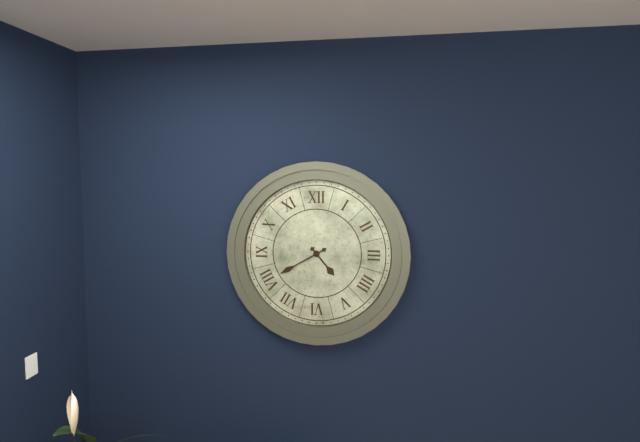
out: 4:40
